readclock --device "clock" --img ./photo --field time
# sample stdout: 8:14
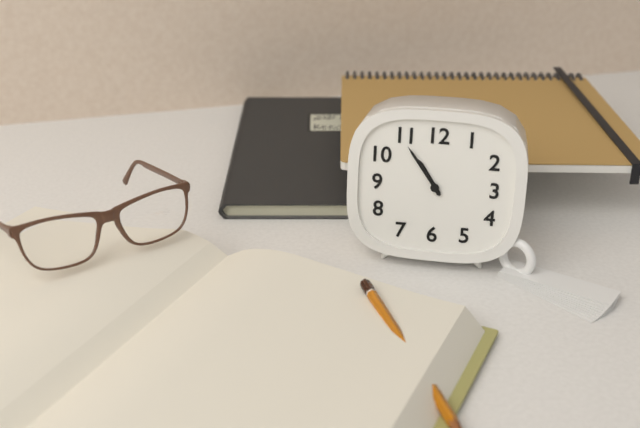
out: 10:54
